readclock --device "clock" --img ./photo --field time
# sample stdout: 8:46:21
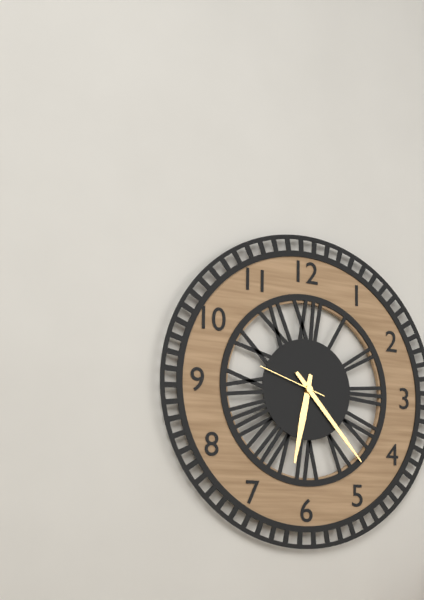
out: 6:23:48
